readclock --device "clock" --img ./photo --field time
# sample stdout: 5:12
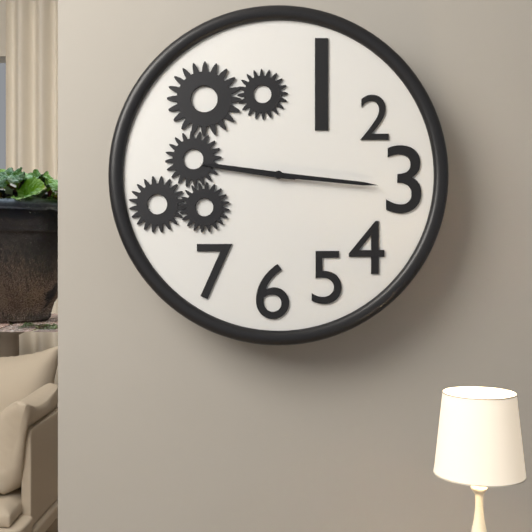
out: 9:16
